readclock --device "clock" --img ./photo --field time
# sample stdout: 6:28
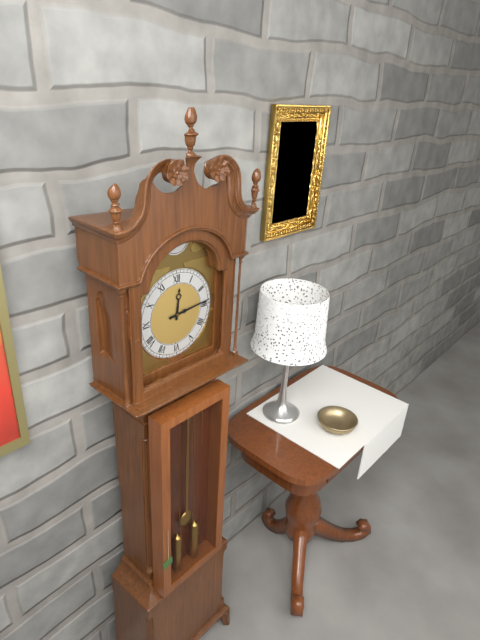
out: 12:14
